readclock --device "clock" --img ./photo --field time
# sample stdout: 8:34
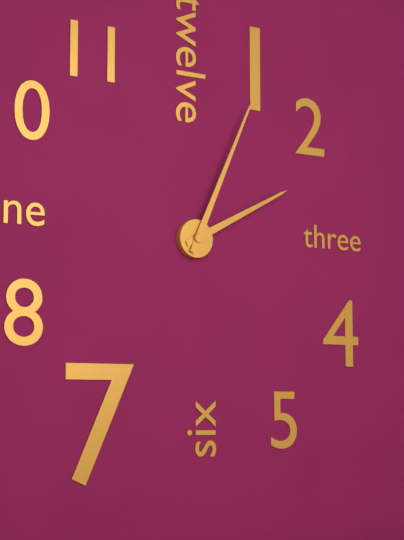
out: 2:04
